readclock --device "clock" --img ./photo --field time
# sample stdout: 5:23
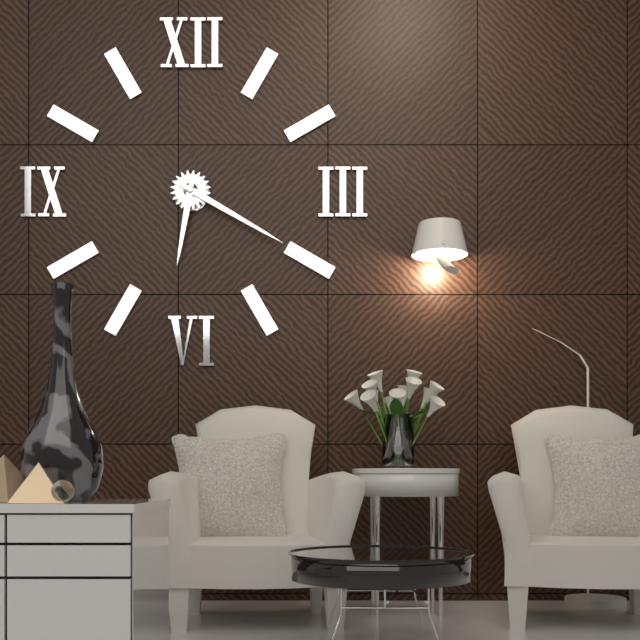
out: 6:20
